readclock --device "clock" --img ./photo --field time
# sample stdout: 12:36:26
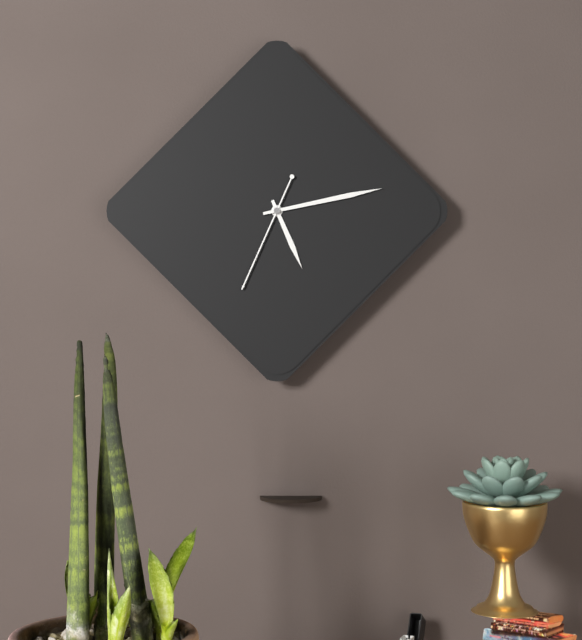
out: 5:13:34
